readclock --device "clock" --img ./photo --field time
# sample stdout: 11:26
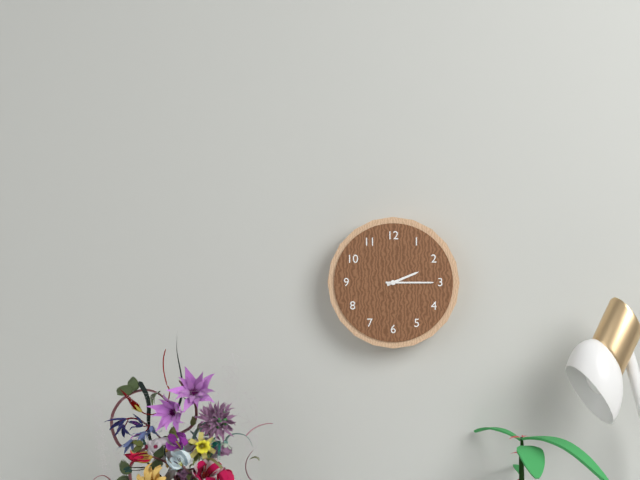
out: 2:15
